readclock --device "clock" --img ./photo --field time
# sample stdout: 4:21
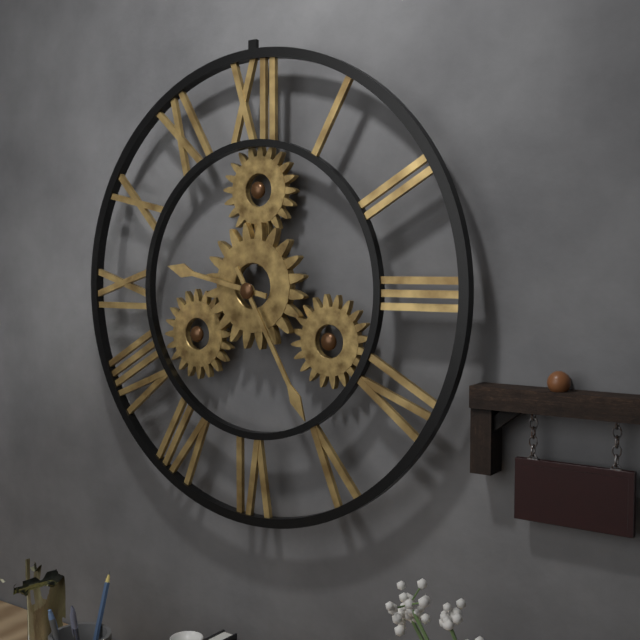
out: 9:25
